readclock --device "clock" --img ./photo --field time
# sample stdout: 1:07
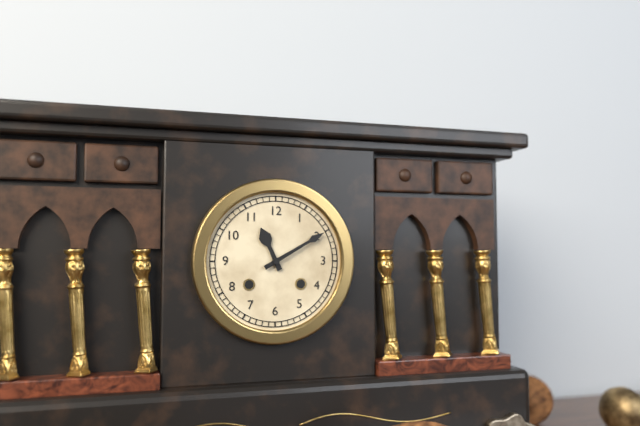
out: 11:10
